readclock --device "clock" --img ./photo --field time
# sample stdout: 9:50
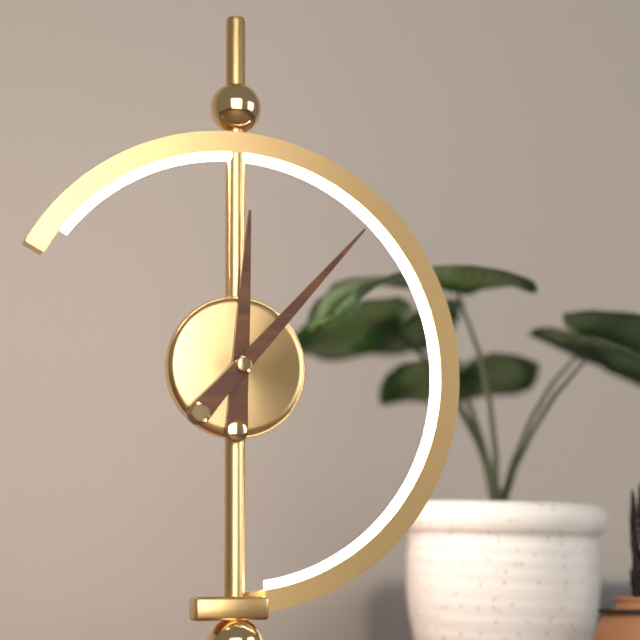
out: 12:07
